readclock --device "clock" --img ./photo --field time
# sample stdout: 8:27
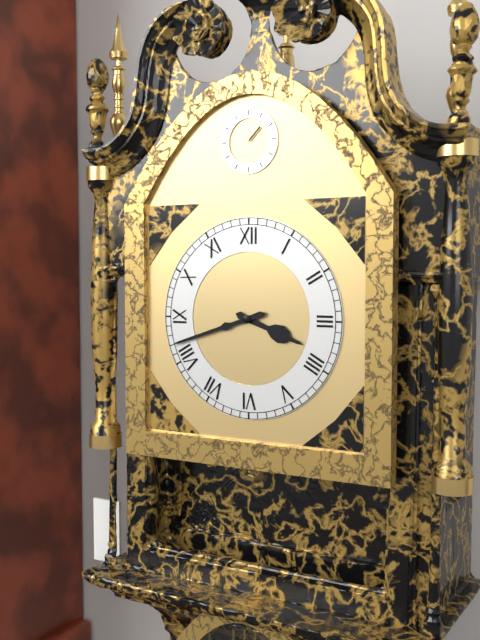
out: 3:42
